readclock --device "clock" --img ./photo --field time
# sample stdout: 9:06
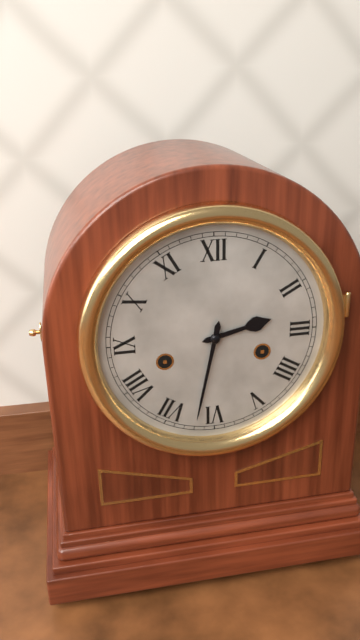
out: 2:32
